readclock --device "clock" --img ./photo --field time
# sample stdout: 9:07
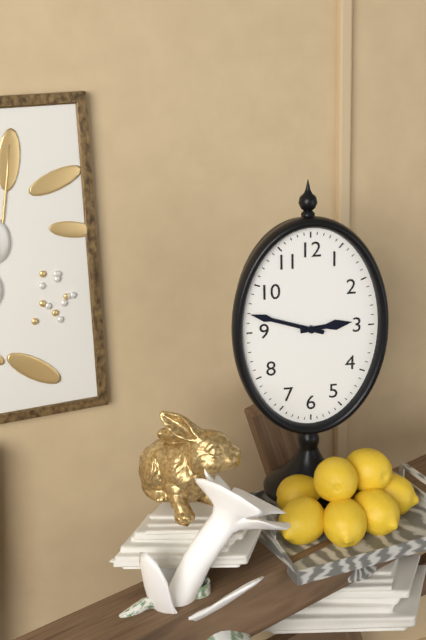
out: 2:48
